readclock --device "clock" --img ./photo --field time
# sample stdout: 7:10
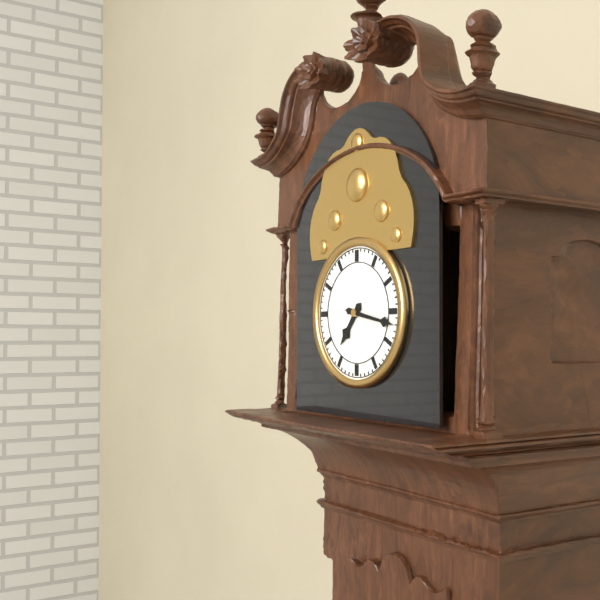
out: 7:17
